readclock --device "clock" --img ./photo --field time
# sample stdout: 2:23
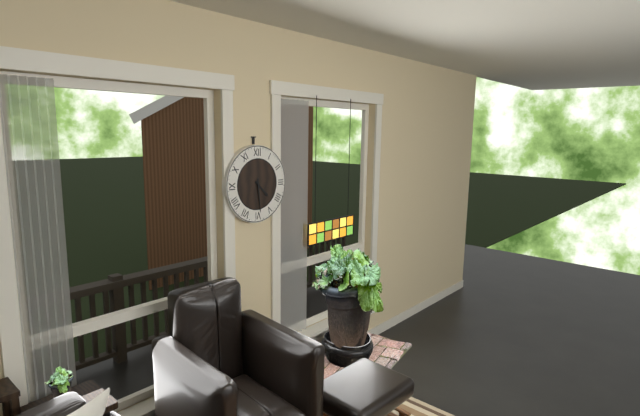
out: 4:29
